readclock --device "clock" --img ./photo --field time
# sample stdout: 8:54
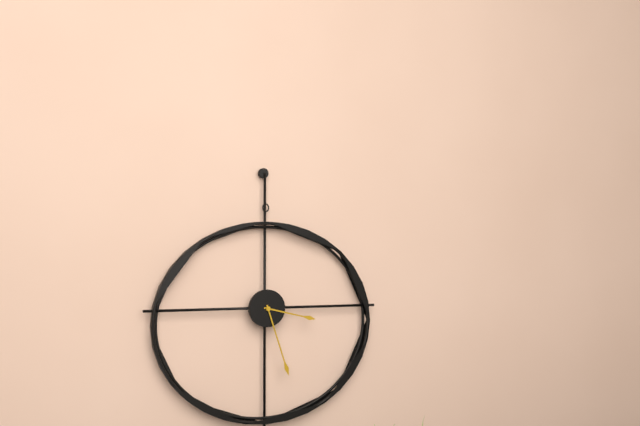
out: 3:27
